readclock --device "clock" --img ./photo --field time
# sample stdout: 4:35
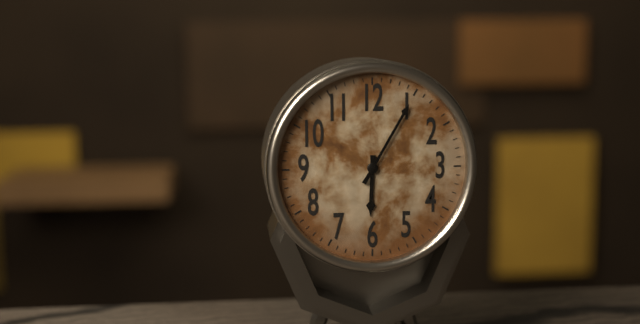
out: 6:05
